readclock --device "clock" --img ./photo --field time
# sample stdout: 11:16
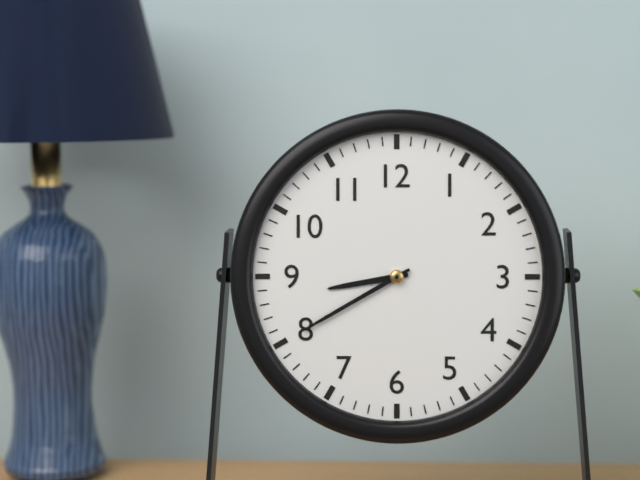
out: 8:40
